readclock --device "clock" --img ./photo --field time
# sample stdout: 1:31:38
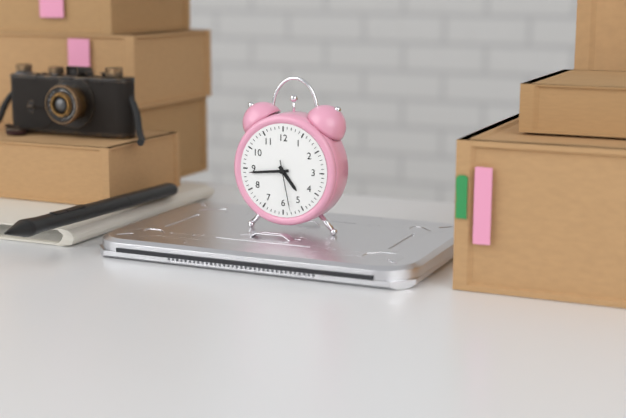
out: 4:44:28
